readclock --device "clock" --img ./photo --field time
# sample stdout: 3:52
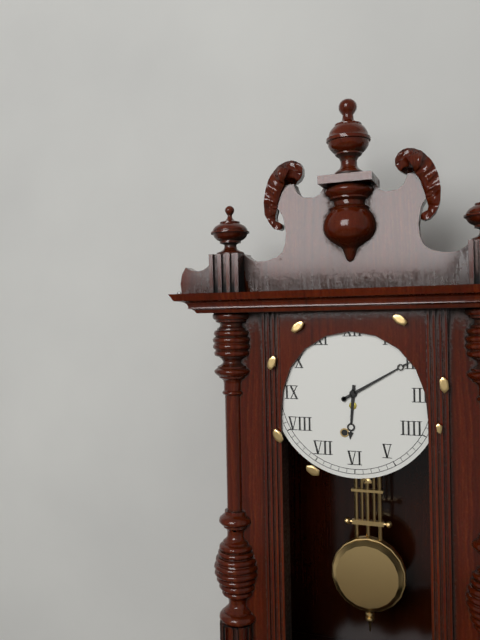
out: 6:10
